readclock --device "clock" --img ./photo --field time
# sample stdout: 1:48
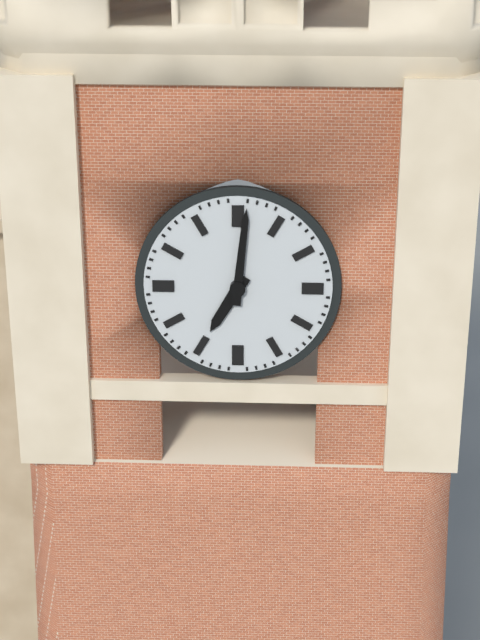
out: 7:01
